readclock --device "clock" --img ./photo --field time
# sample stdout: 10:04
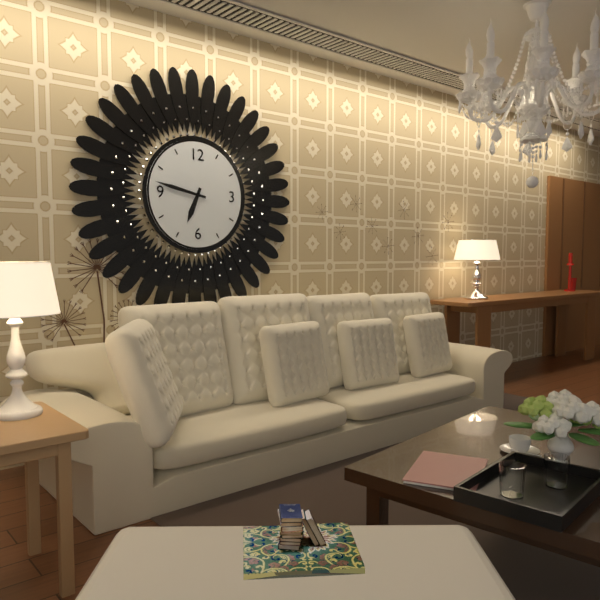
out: 6:47
